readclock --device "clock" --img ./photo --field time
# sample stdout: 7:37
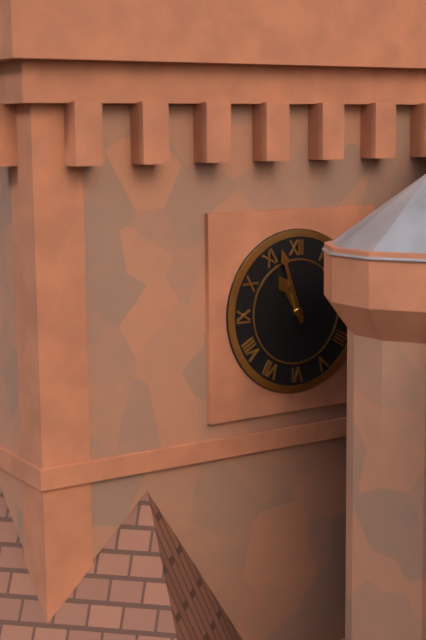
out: 10:57
